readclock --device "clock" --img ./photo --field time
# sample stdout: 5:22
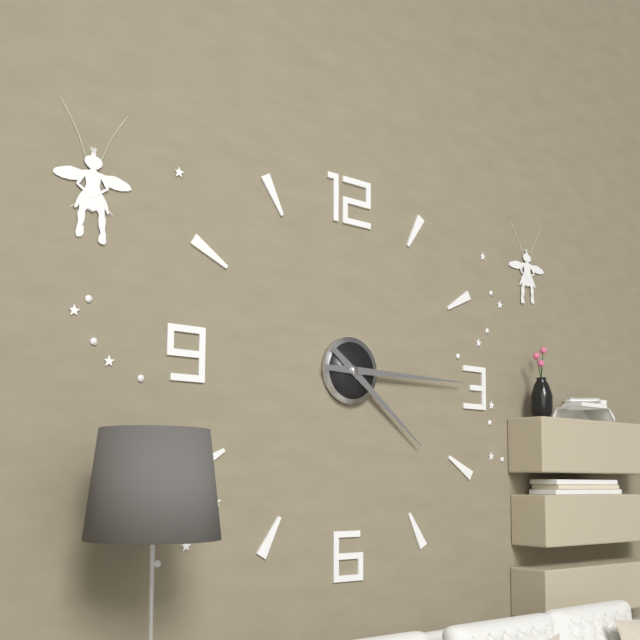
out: 4:15
